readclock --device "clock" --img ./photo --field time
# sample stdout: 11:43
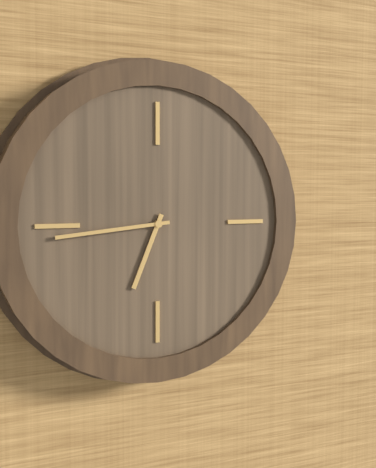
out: 6:44
